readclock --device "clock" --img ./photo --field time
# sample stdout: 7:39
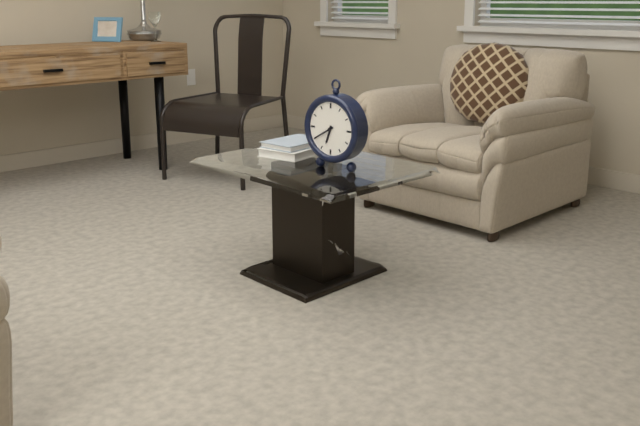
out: 6:40
